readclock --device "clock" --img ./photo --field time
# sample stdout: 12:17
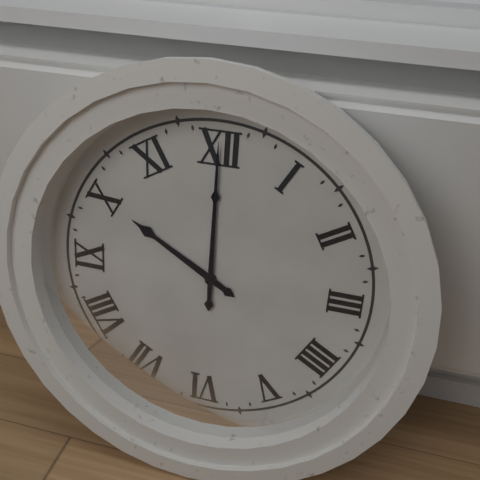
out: 10:00
